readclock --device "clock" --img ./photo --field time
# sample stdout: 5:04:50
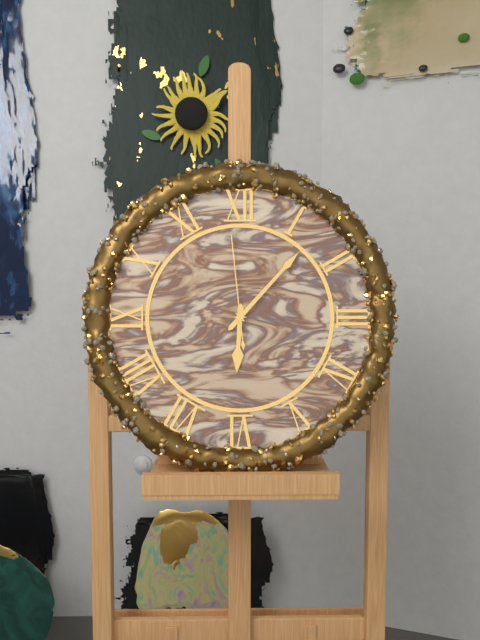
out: 6:07:59
